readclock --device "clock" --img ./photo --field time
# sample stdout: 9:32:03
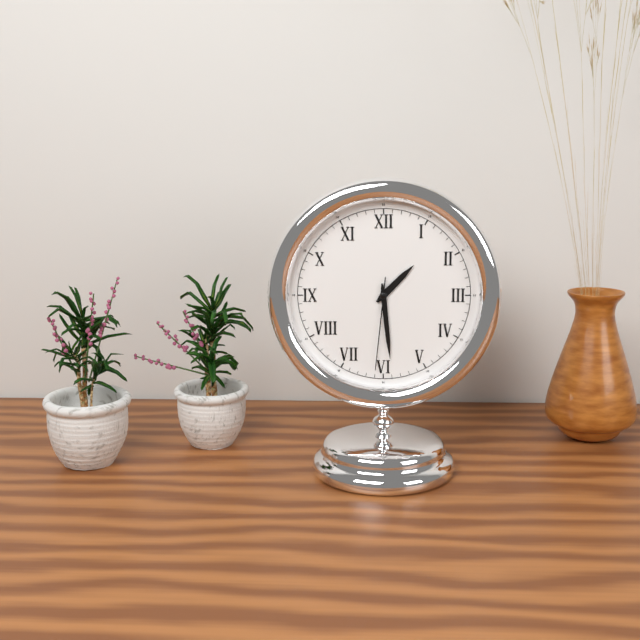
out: 1:29:31
